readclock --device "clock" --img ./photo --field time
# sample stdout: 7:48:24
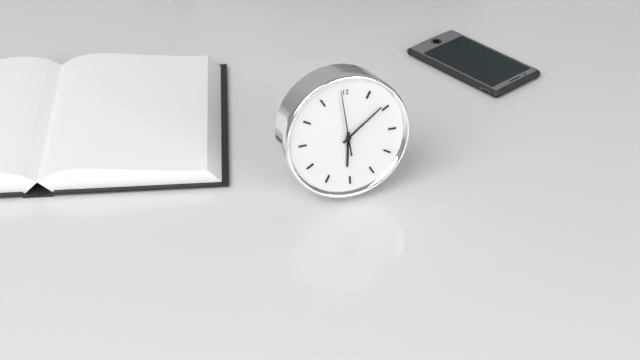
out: 6:09:59
